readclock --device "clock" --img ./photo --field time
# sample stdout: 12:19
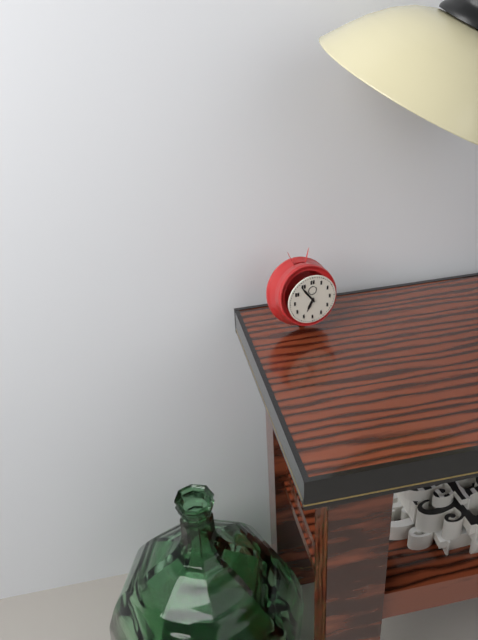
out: 6:54
